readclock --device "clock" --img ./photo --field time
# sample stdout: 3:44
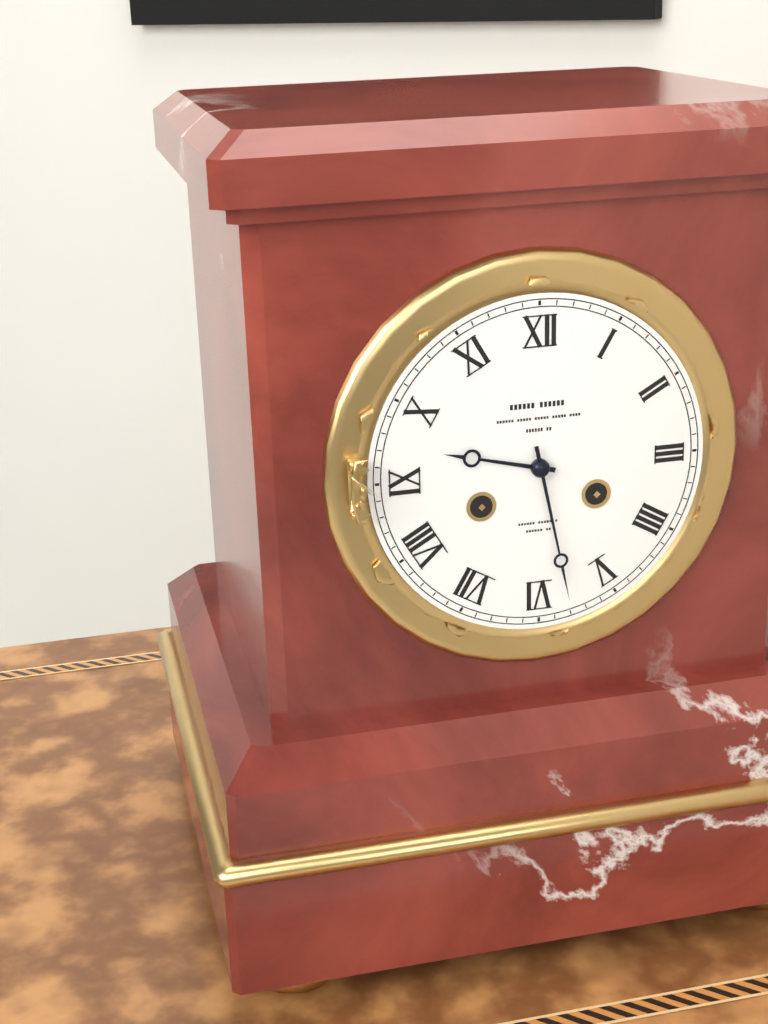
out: 9:28
